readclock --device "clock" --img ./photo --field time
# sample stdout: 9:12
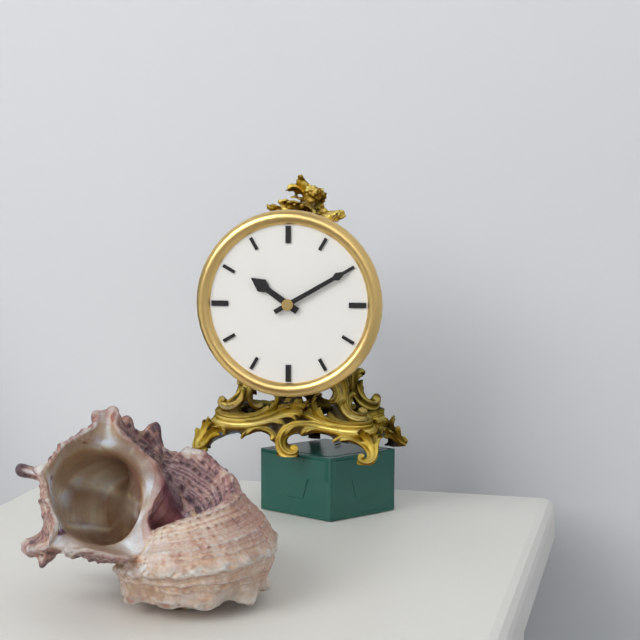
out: 10:10
